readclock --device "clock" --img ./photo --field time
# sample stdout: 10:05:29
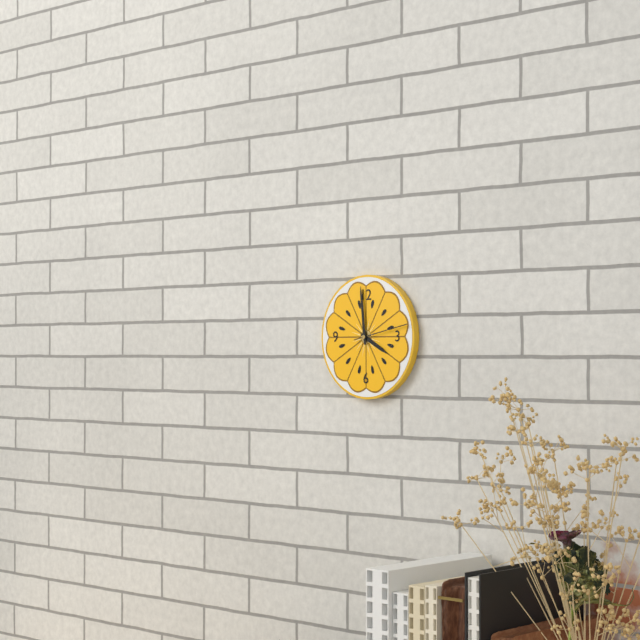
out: 3:59:13
